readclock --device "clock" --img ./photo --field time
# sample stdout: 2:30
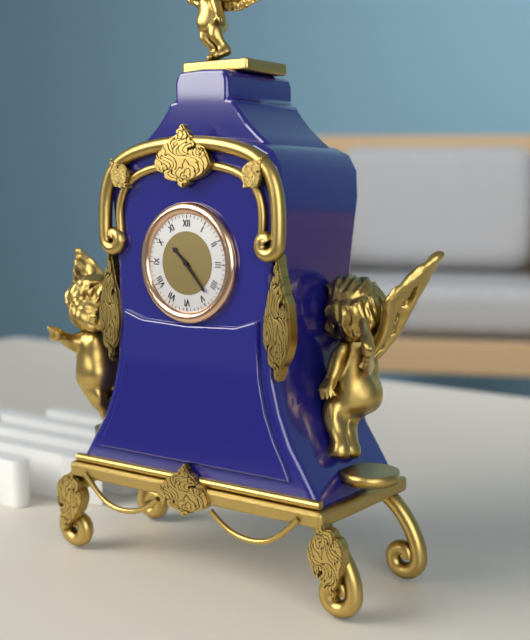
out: 10:23
